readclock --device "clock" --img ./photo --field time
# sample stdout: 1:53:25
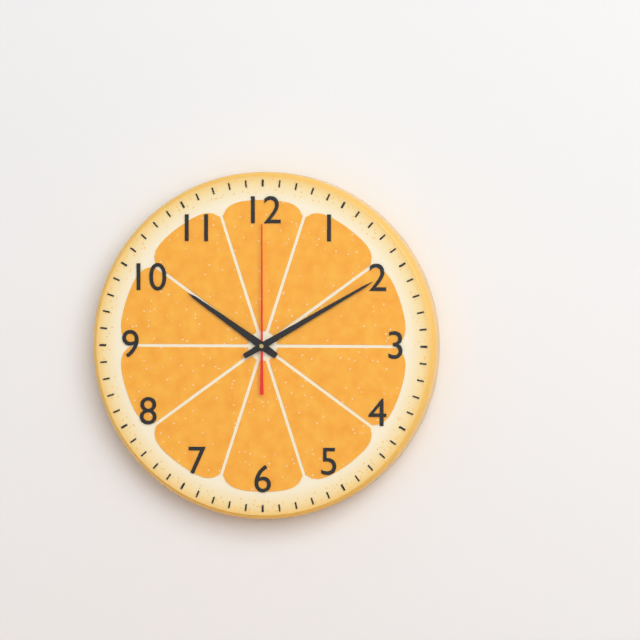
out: 10:10:00
